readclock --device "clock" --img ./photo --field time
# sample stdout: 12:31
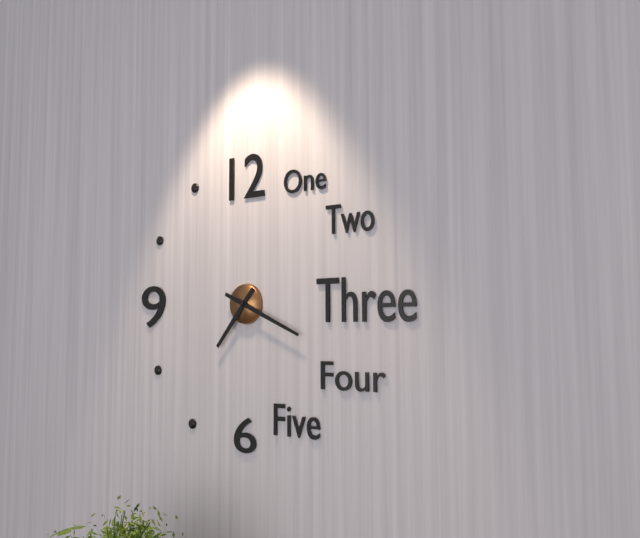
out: 7:19
